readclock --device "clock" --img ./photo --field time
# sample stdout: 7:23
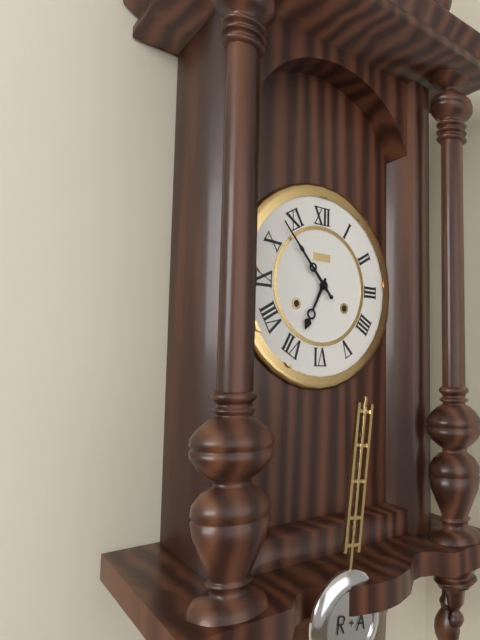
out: 6:53
